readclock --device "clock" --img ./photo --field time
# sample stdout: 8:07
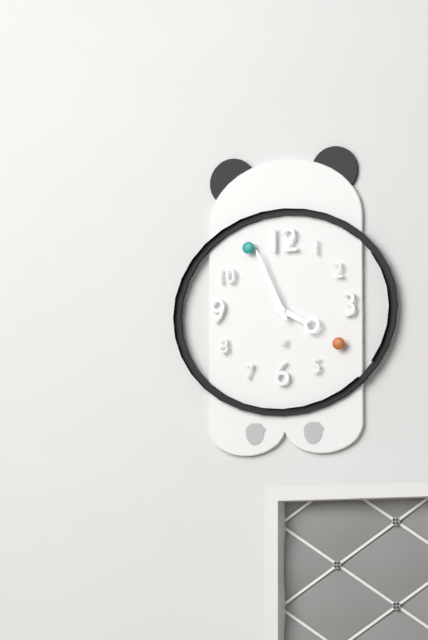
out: 3:56
